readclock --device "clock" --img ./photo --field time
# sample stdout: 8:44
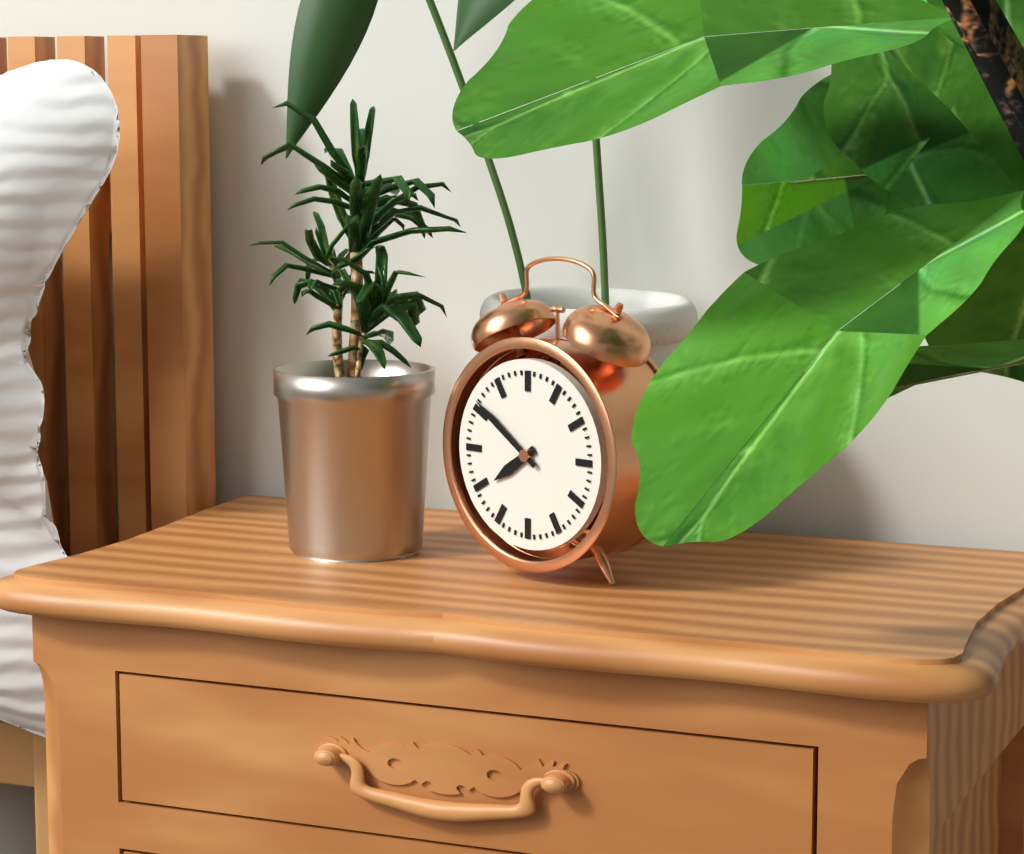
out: 7:51
